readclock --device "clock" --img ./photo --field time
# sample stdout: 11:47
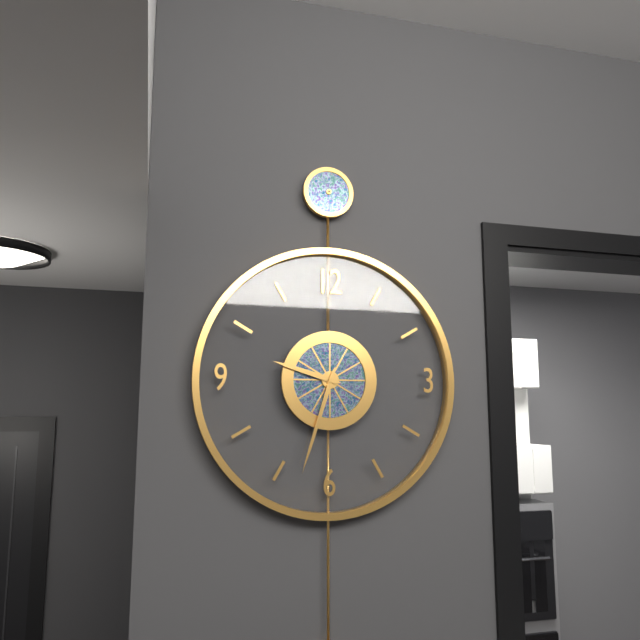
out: 9:33
